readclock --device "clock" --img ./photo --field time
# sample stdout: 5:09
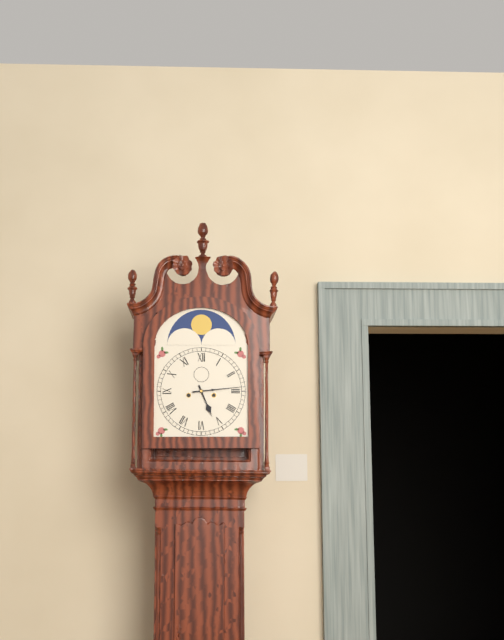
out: 5:14
